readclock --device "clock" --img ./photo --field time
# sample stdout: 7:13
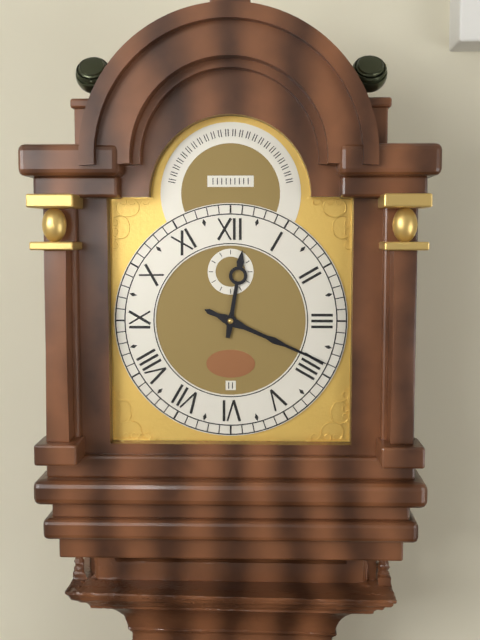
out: 12:19
